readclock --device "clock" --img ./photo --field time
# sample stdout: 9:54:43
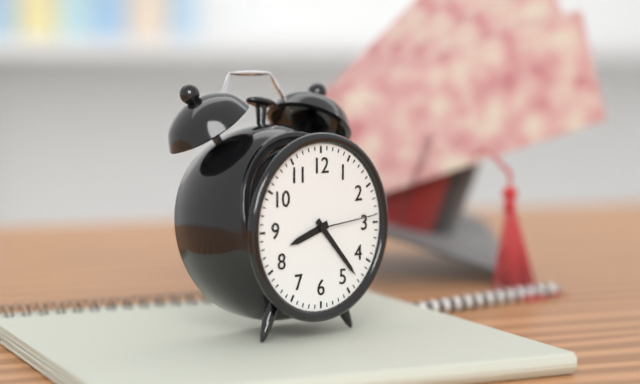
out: 8:23:14
